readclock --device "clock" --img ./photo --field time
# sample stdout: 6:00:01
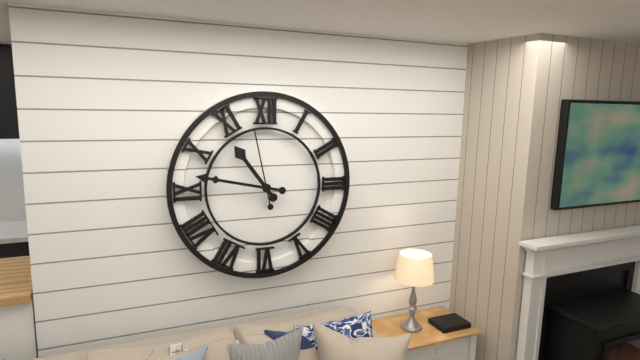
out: 10:47:58
